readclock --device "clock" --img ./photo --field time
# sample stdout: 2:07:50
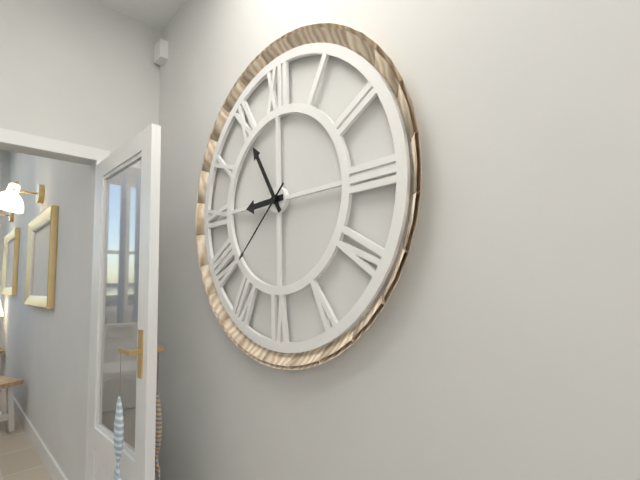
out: 8:55:38
